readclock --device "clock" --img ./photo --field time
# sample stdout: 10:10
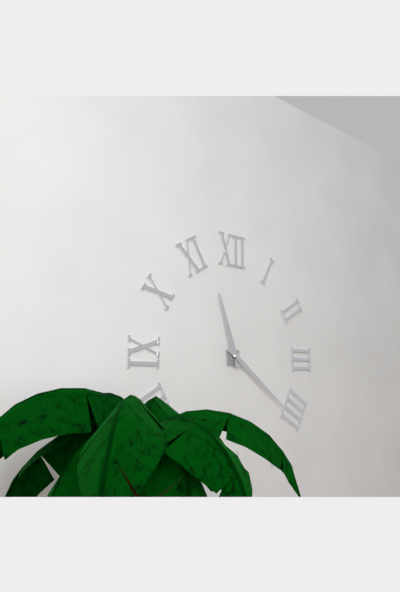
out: 11:21
